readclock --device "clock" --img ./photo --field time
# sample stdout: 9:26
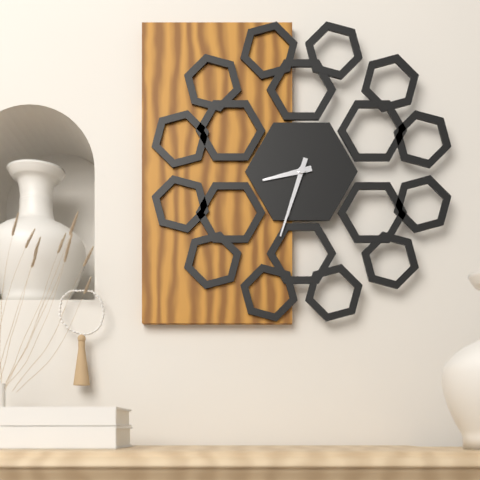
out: 8:33
